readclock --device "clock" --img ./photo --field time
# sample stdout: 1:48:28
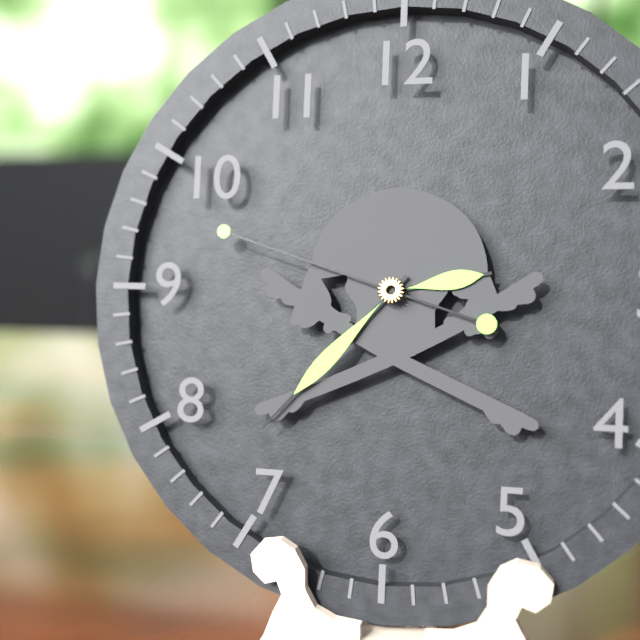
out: 2:37:48
